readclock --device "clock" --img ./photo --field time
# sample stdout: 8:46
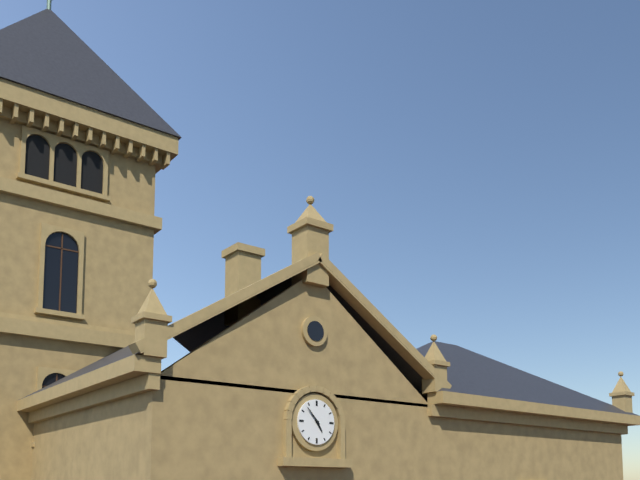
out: 4:53
